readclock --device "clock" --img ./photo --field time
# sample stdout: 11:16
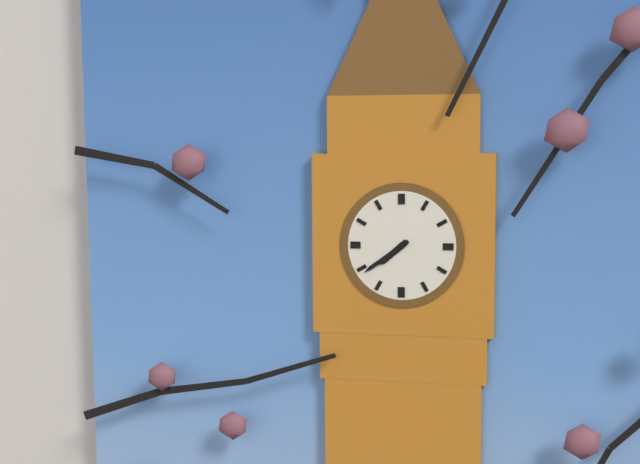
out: 7:39
